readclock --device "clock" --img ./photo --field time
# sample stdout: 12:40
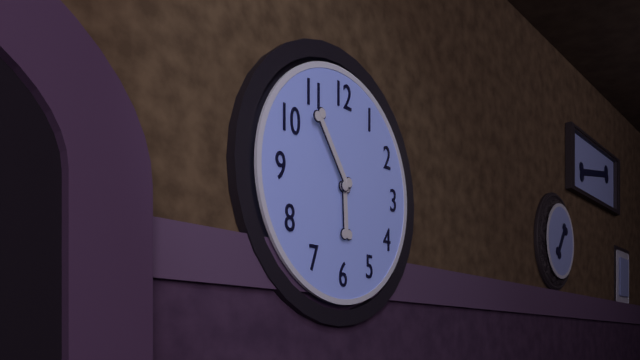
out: 5:54
